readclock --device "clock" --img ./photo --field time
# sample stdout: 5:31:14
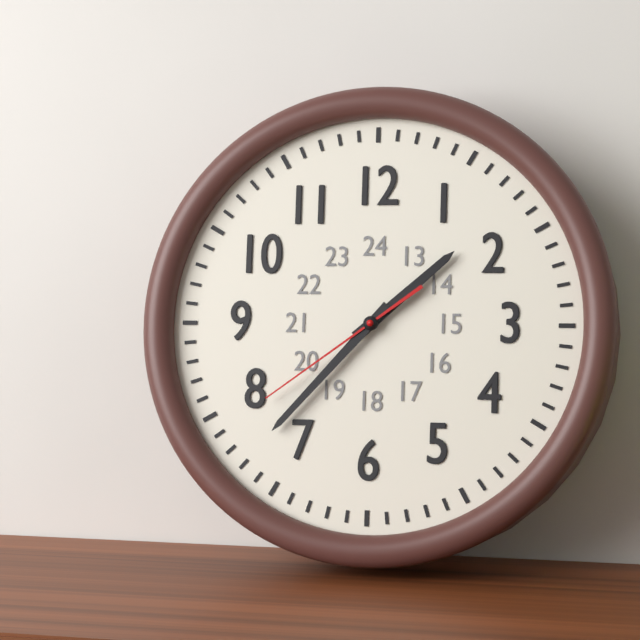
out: 1:37:39
